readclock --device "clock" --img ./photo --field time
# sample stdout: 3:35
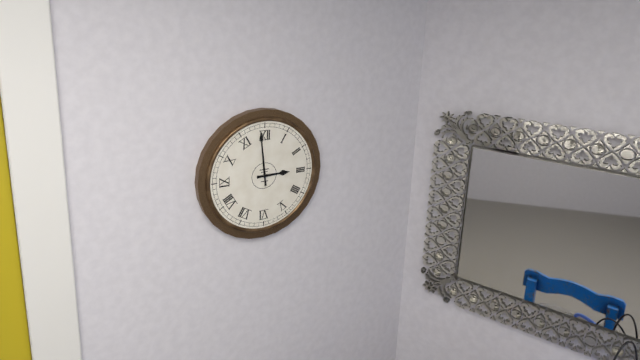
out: 2:59
